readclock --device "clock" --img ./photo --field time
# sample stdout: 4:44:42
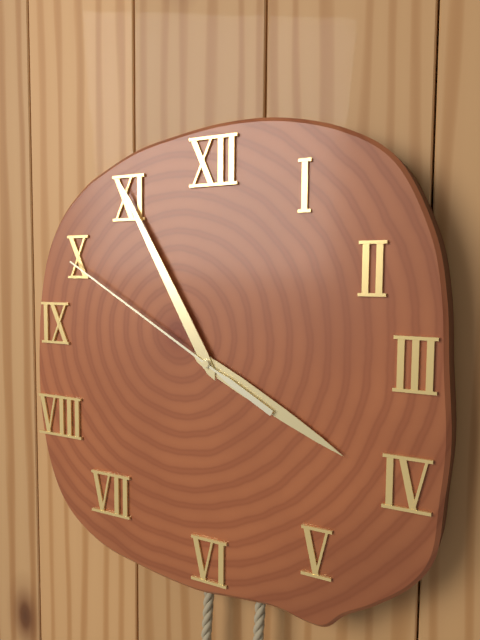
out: 3:55:50
